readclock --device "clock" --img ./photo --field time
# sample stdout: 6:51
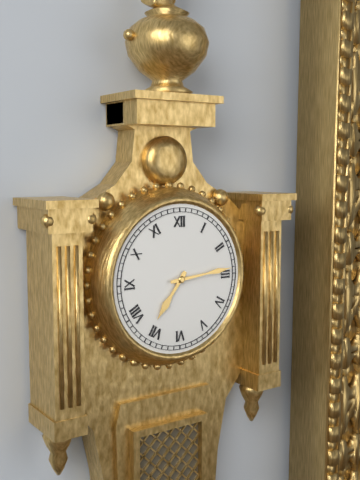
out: 7:14
